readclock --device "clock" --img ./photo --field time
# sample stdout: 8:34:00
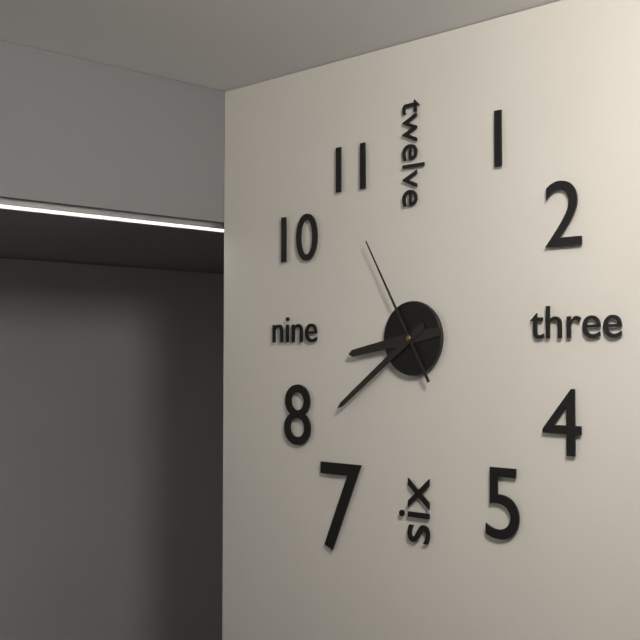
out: 8:39:55
